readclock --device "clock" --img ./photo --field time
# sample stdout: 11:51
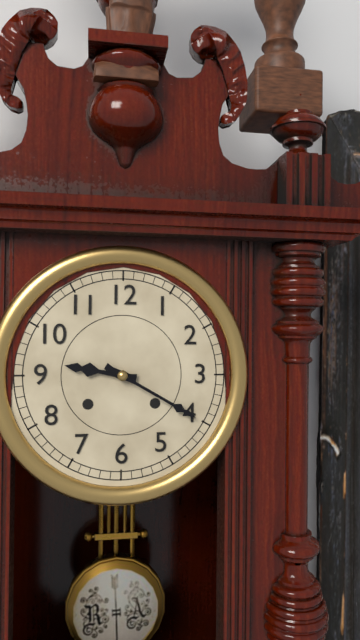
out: 9:20
